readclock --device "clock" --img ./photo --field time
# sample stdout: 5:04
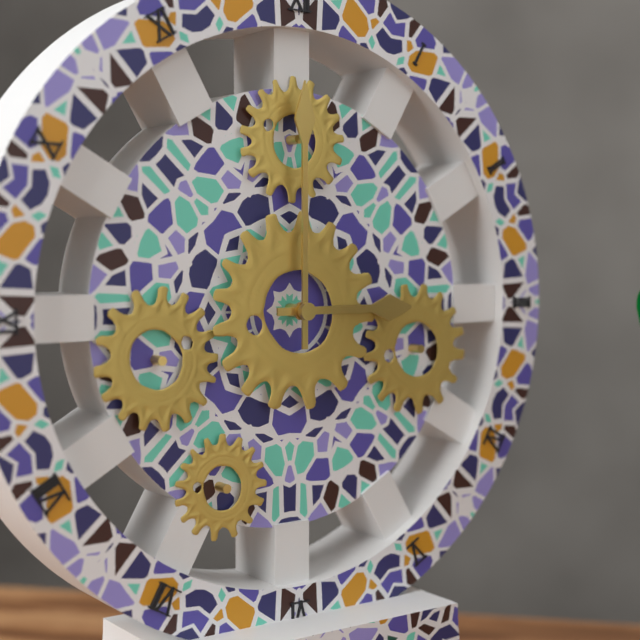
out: 3:00
